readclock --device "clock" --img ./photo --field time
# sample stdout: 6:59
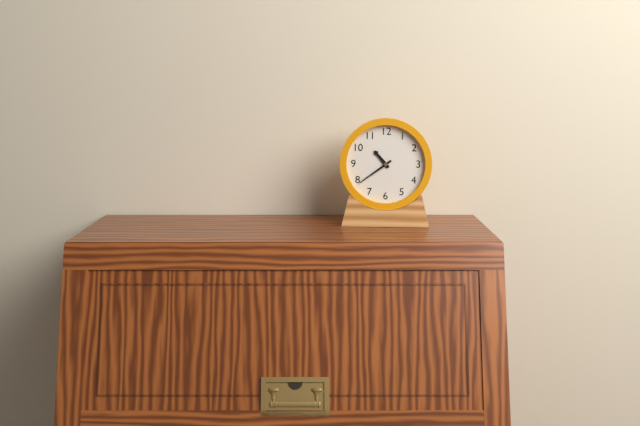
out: 10:39
